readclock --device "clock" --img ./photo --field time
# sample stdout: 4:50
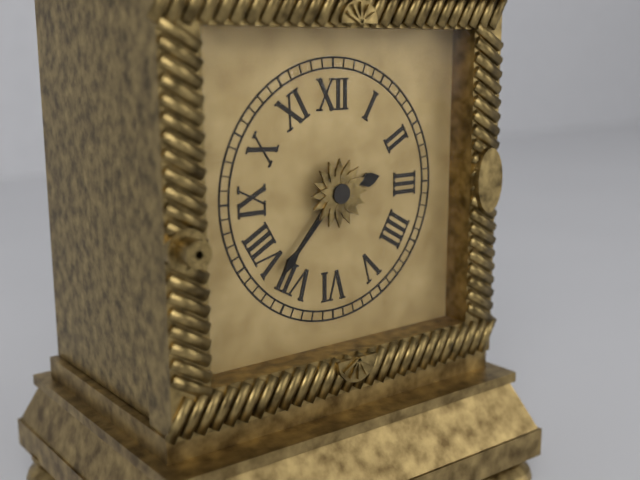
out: 2:37
